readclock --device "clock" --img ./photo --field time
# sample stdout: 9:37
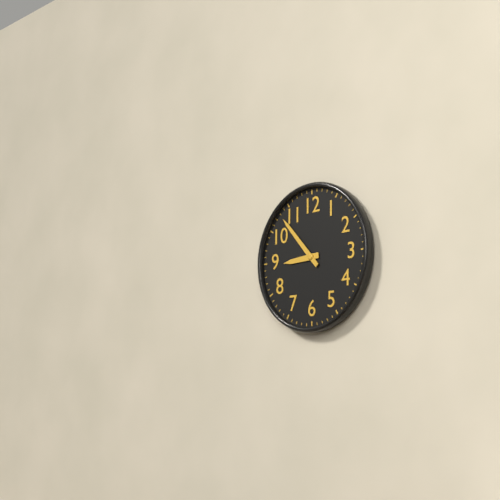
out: 8:53
